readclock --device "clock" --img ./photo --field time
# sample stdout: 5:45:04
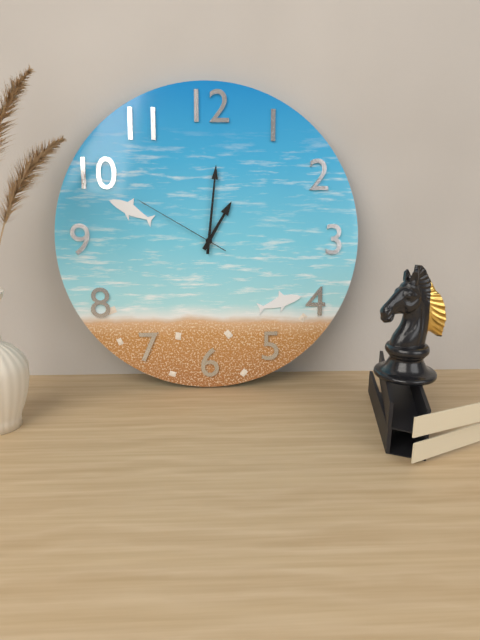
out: 1:01:50
